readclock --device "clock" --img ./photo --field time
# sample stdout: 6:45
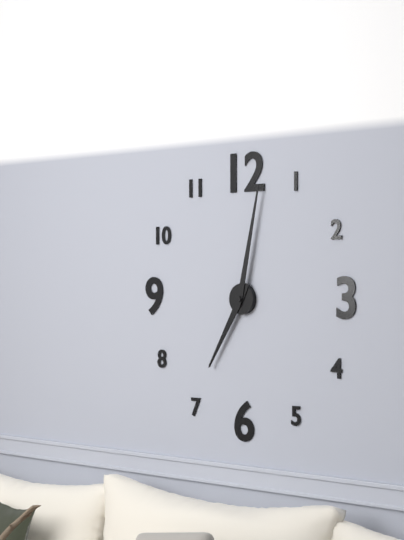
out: 7:02
